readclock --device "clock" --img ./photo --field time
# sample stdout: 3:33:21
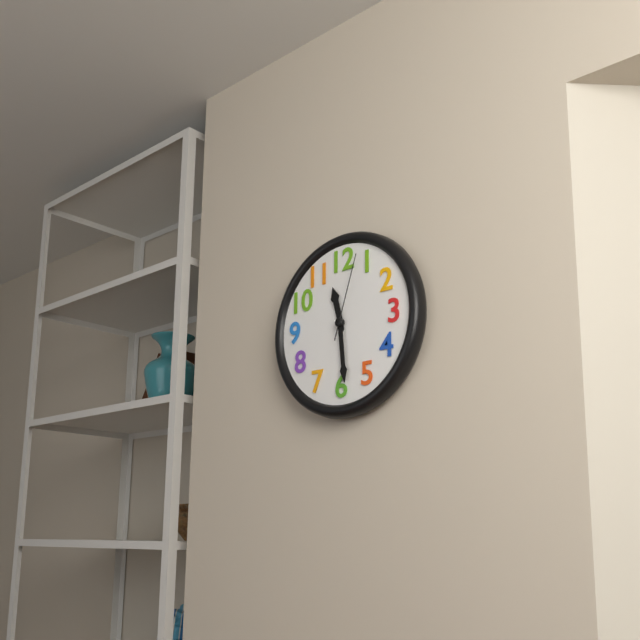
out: 11:29:03
